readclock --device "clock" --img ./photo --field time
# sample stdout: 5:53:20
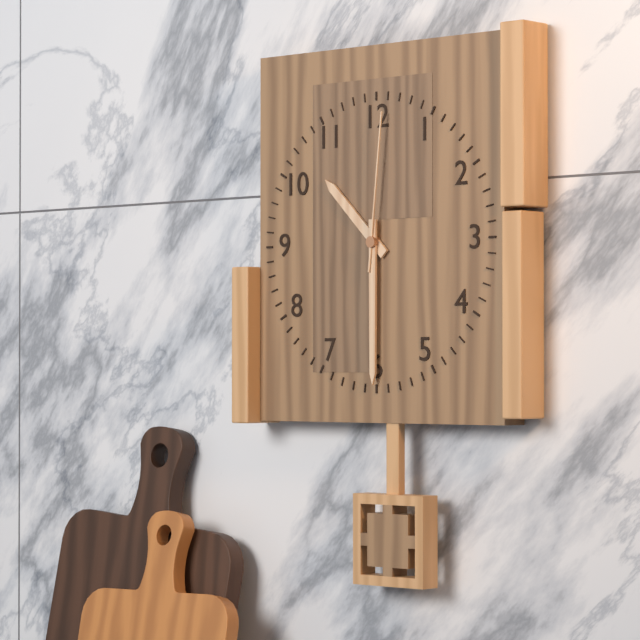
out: 10:30:01
